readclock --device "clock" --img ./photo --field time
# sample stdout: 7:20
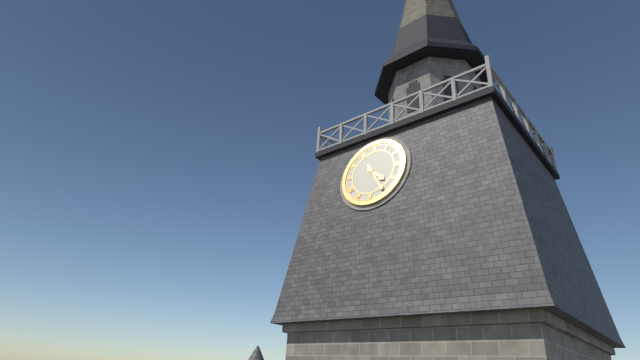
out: 4:25
